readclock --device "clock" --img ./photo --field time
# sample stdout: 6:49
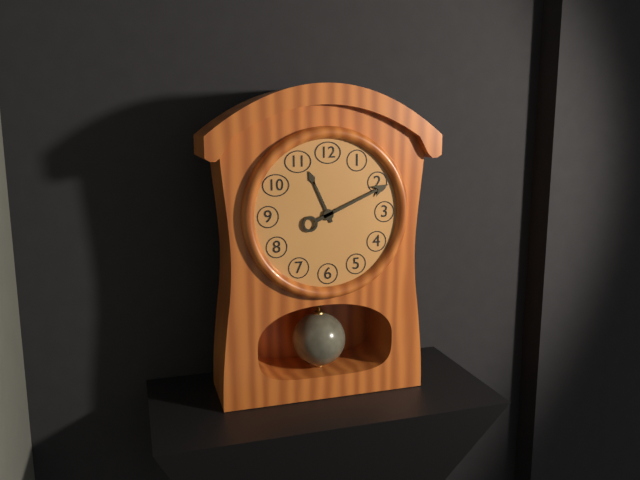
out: 11:11
